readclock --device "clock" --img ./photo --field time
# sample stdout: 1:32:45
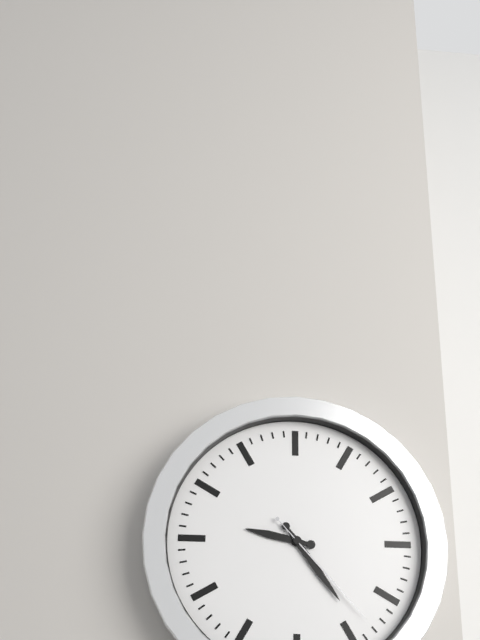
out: 9:24:23
